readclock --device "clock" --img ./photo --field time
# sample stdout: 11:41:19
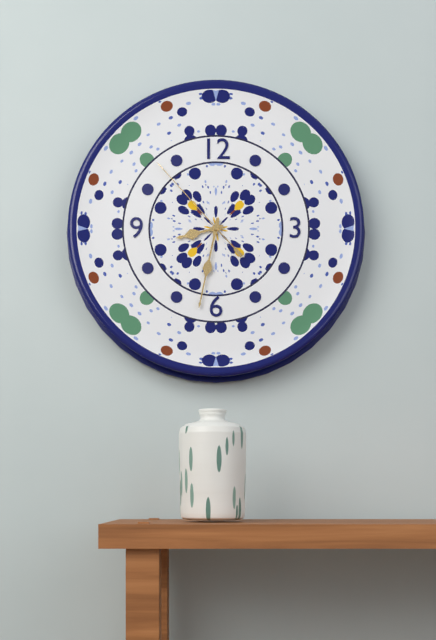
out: 8:32:53
